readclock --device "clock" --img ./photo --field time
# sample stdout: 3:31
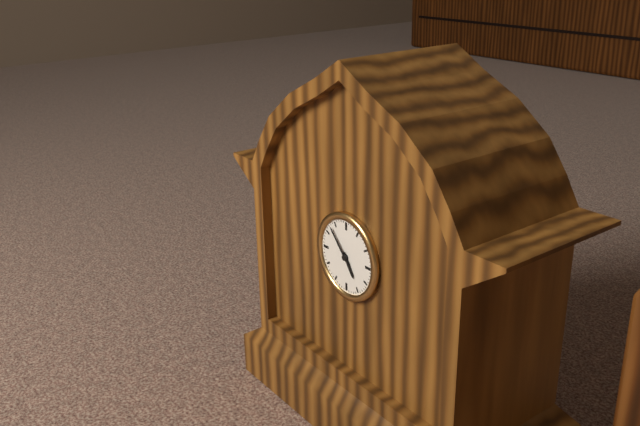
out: 4:53
